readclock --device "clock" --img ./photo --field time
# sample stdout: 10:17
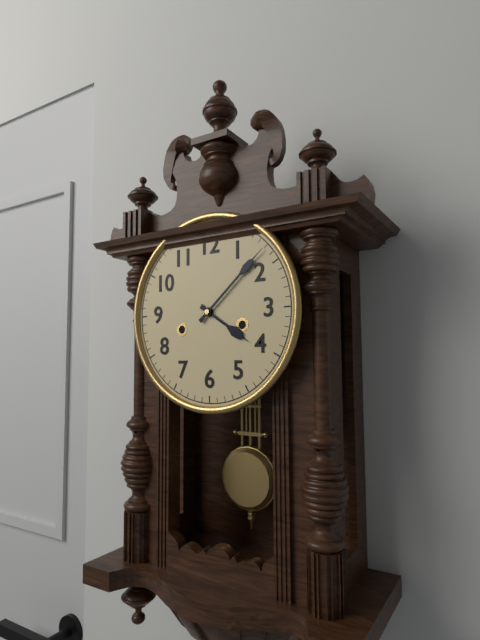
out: 4:08
